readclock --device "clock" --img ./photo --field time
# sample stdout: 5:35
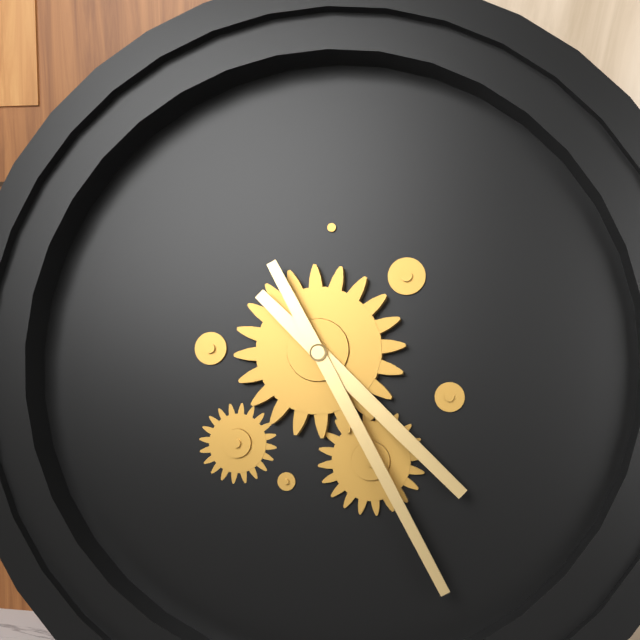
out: 4:25
